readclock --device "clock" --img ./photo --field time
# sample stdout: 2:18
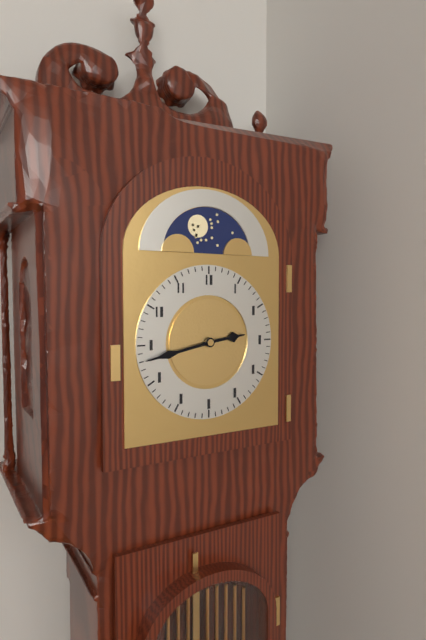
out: 2:43
